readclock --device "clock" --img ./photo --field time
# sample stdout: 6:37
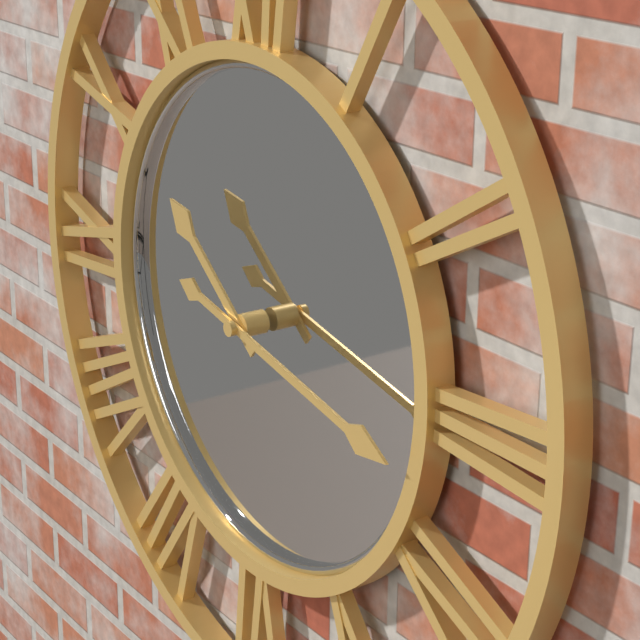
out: 10:17
